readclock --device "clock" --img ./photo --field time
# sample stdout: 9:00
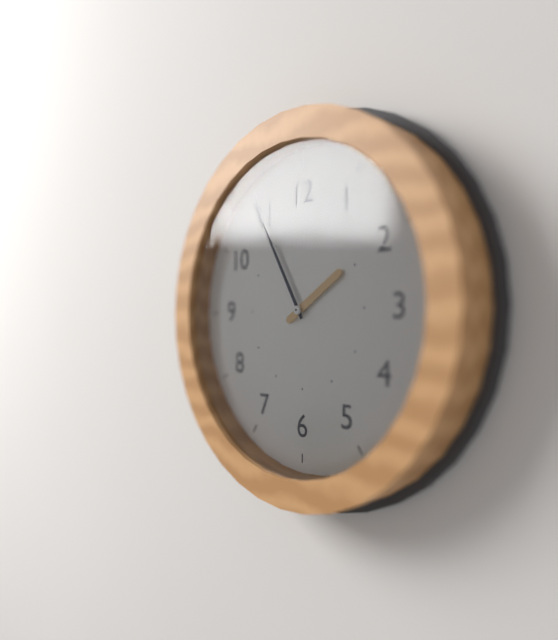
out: 1:55
